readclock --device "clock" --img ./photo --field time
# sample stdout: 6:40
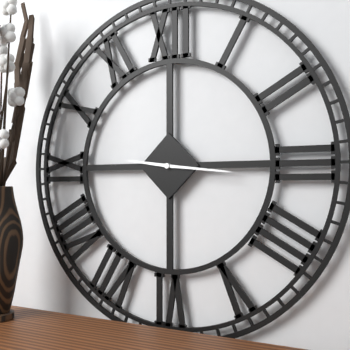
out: 9:16
